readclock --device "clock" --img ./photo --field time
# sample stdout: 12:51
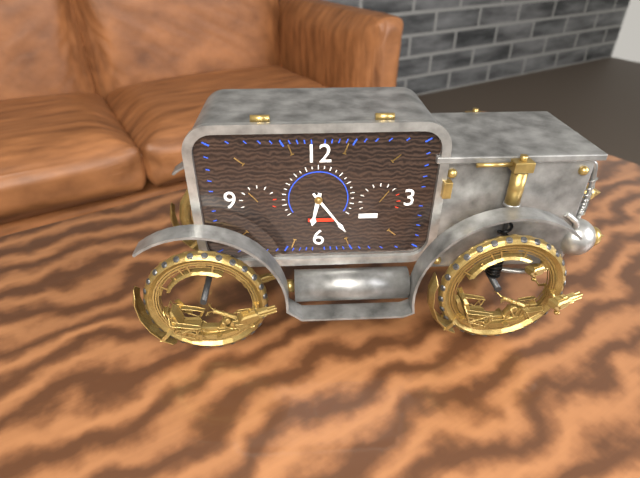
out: 6:24
